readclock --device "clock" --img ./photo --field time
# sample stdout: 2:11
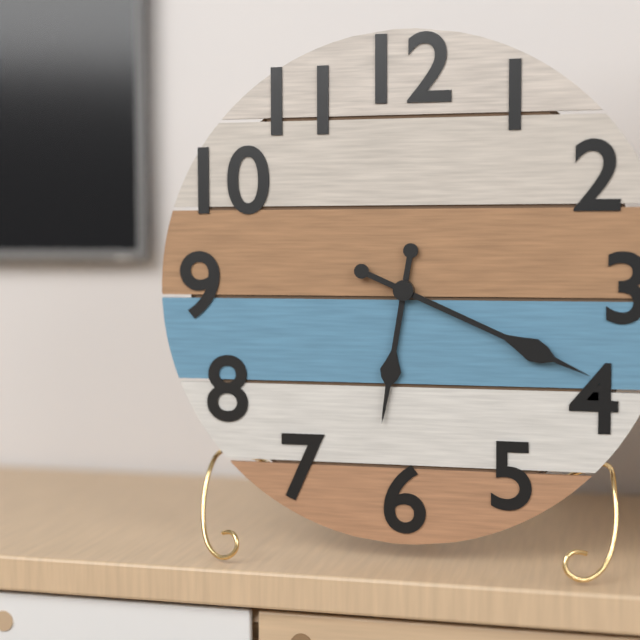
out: 6:19
